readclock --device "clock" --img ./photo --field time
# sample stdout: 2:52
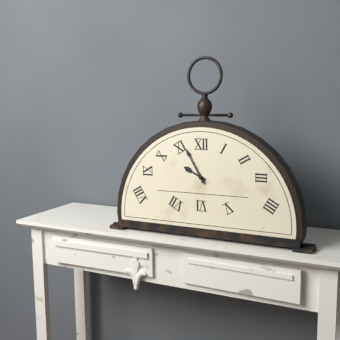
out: 9:55
